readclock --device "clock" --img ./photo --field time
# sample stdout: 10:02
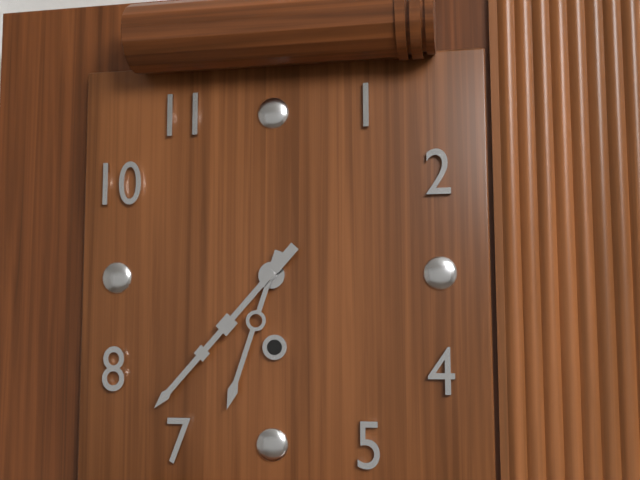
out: 6:37
